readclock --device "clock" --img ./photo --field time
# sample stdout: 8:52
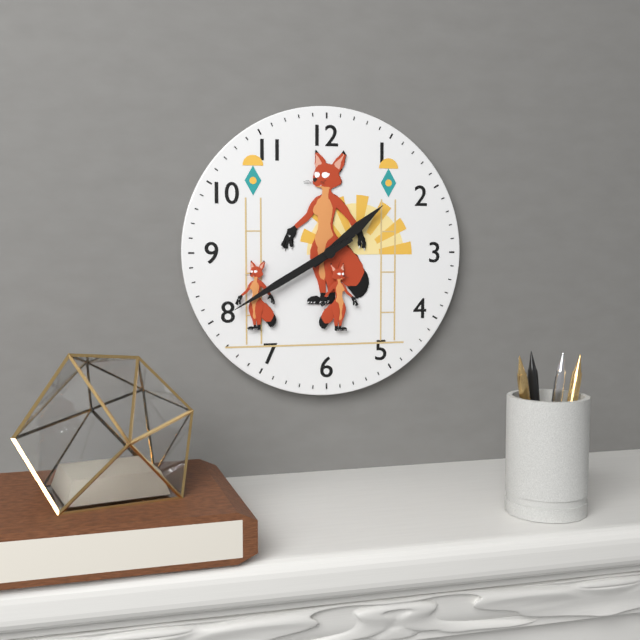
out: 1:40
